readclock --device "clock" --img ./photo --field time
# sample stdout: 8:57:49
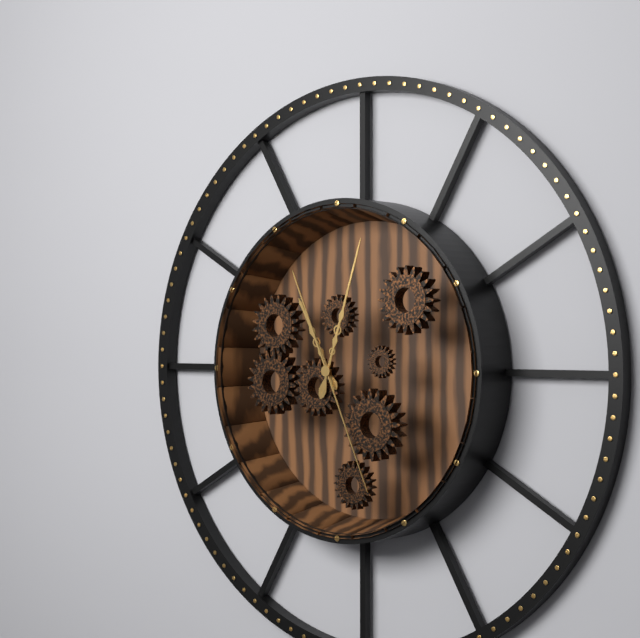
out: 11:03:26
